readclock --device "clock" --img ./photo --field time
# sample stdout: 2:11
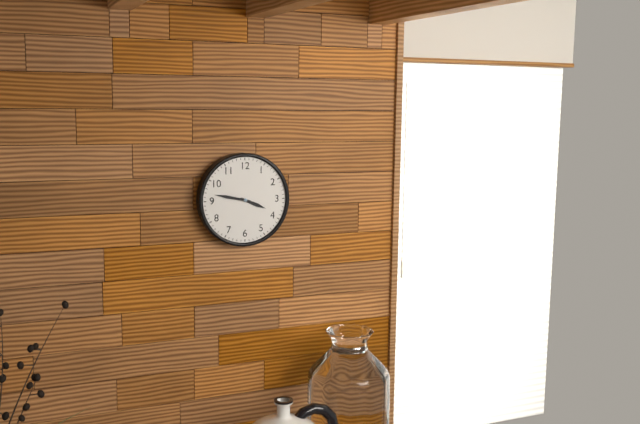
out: 3:47
